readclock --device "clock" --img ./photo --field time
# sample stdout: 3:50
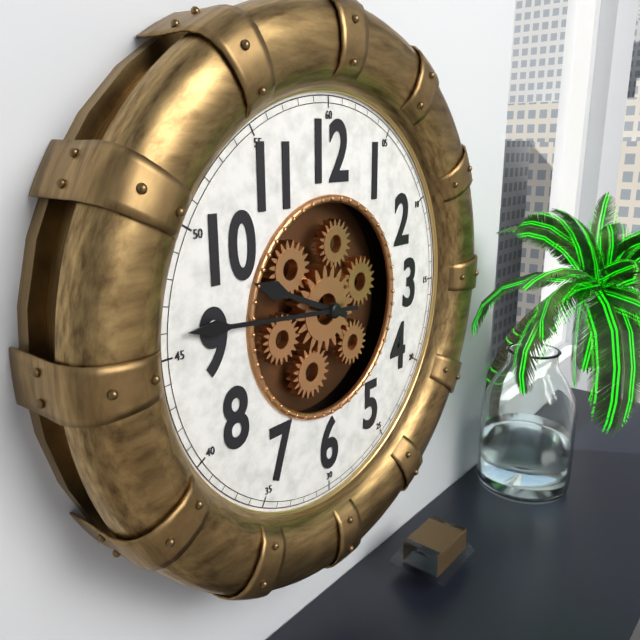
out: 9:46
